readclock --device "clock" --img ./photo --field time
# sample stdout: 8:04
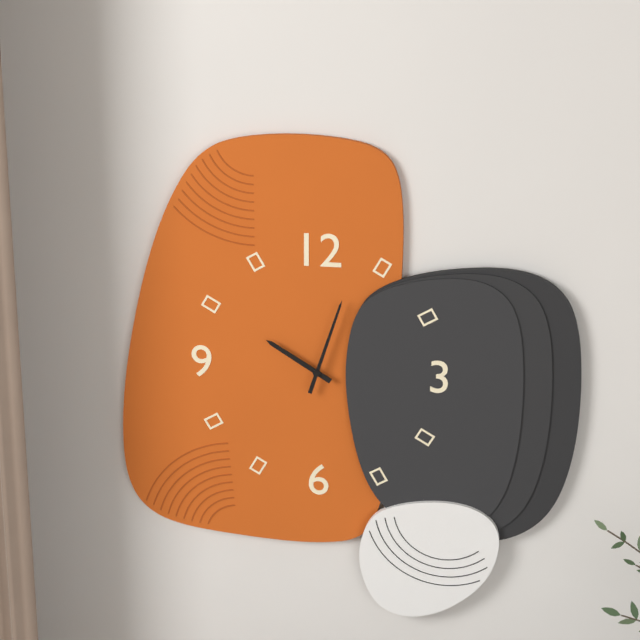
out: 10:03
